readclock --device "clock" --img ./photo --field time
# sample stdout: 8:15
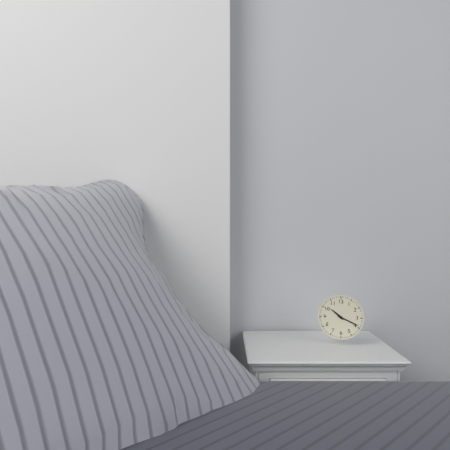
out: 10:19
